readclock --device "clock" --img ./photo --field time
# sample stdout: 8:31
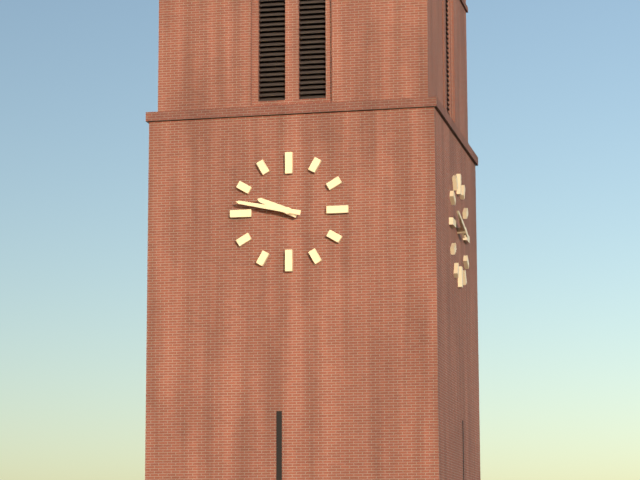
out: 9:47
